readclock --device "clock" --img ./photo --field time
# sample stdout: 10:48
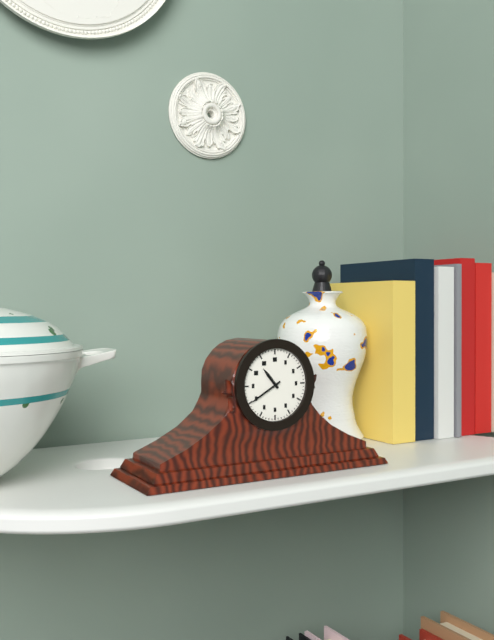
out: 10:40
